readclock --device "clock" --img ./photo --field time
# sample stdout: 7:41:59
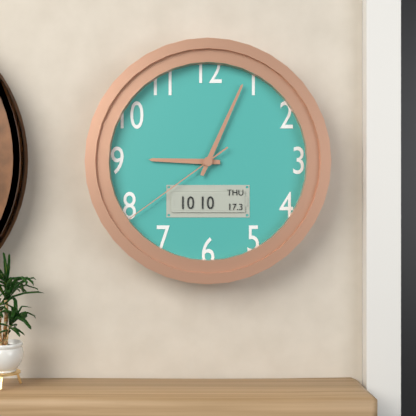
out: 9:04:39
